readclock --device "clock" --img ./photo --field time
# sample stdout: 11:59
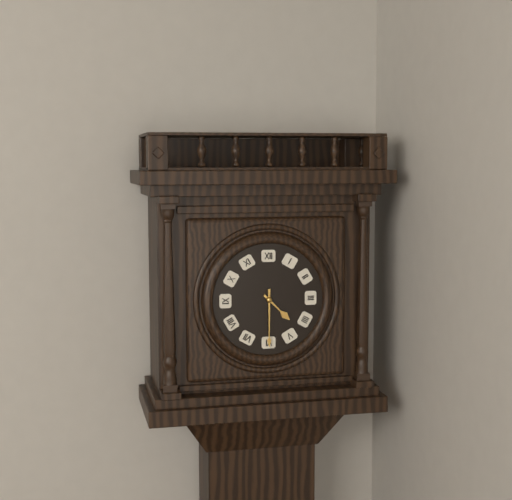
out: 4:30
